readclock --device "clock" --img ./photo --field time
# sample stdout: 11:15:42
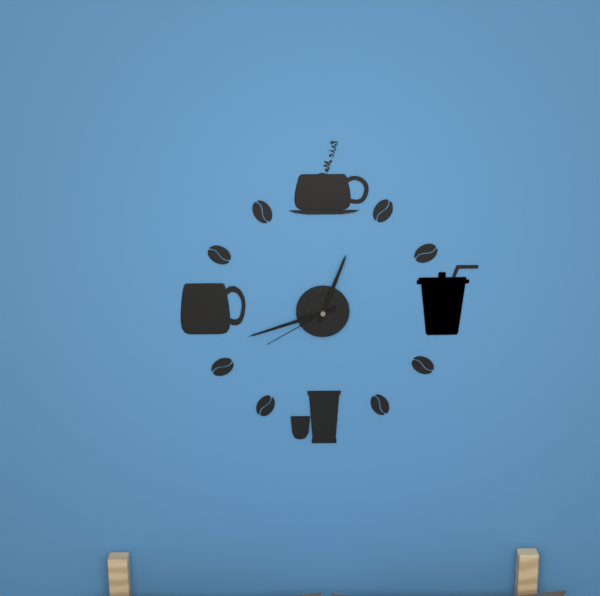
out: 12:42:40
